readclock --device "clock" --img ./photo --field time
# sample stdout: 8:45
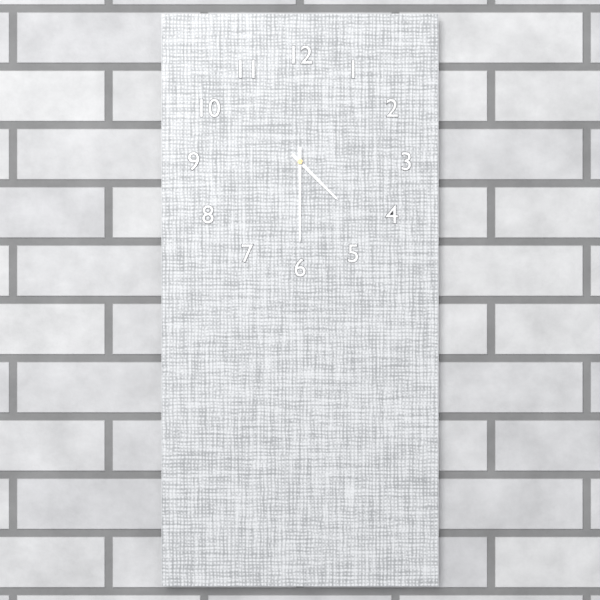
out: 4:30
